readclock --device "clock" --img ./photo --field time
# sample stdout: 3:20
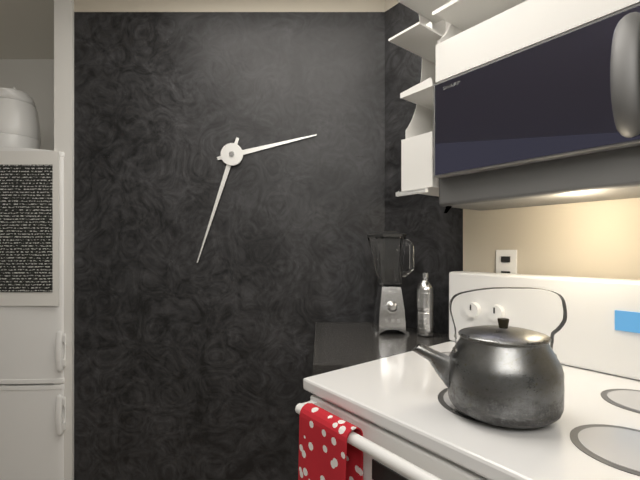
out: 2:33
